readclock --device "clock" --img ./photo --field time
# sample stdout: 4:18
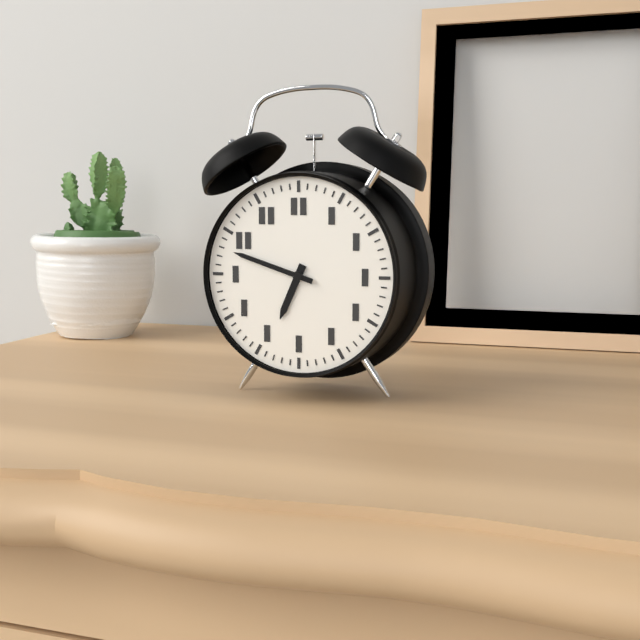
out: 6:48
